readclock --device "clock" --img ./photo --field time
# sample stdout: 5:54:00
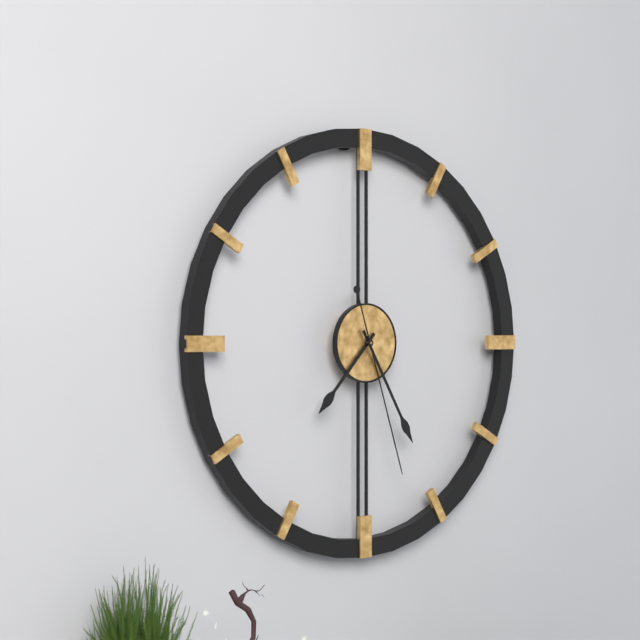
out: 7:25:27
